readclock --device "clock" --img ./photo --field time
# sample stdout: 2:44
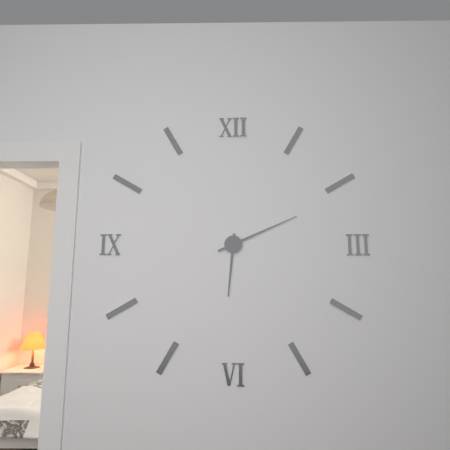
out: 6:11
